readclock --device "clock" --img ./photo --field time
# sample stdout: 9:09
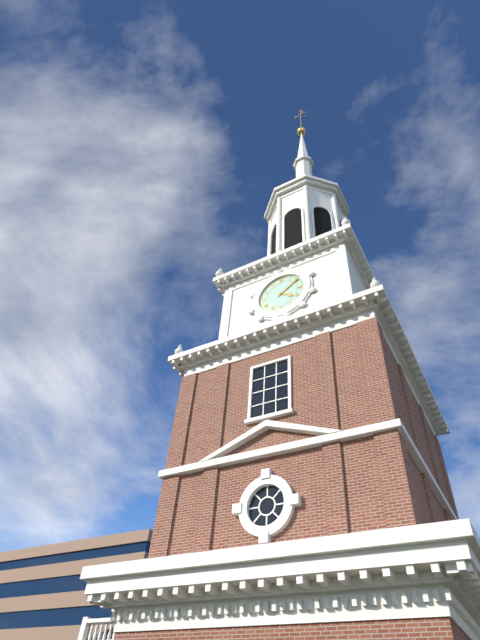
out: 4:09
